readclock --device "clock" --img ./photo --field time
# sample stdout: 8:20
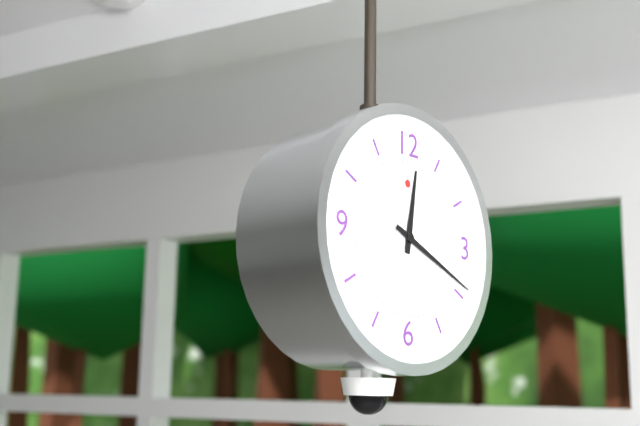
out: 12:19
